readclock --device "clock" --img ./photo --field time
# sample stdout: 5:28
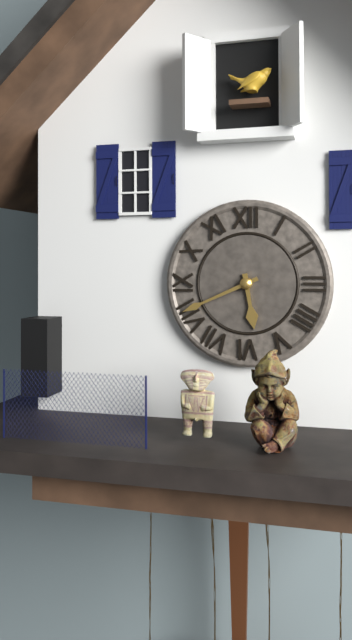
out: 5:41
